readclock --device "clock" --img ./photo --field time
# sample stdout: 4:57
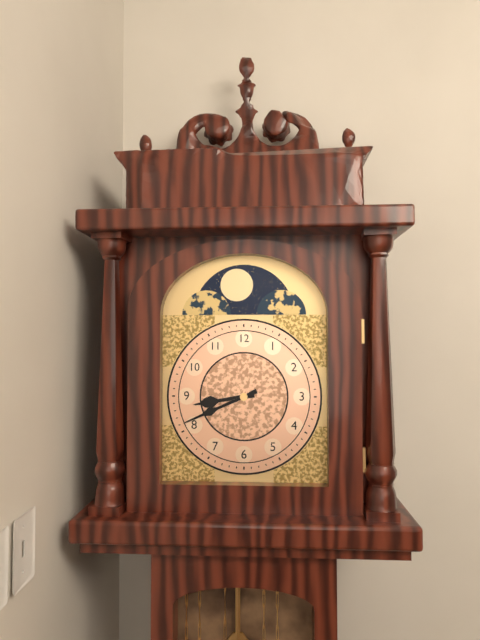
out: 8:41
